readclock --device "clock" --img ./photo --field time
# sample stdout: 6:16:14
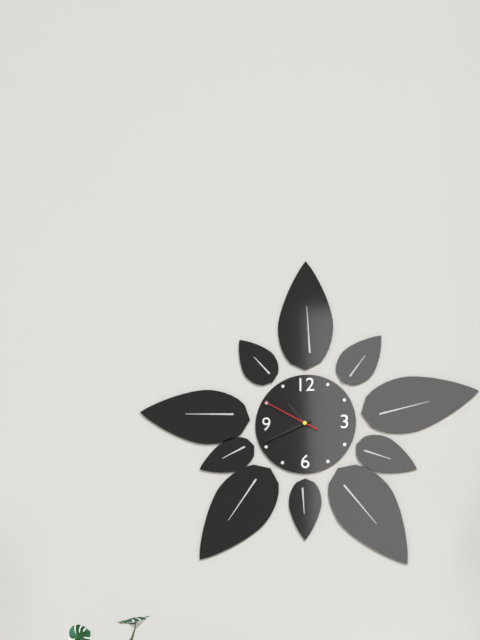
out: 10:41:50
